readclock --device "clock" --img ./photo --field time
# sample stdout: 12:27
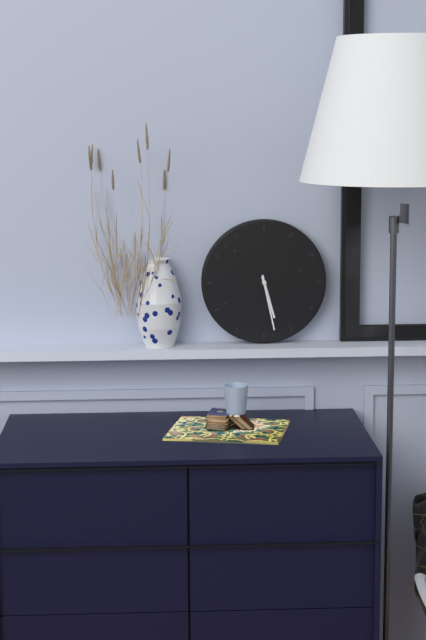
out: 5:28
